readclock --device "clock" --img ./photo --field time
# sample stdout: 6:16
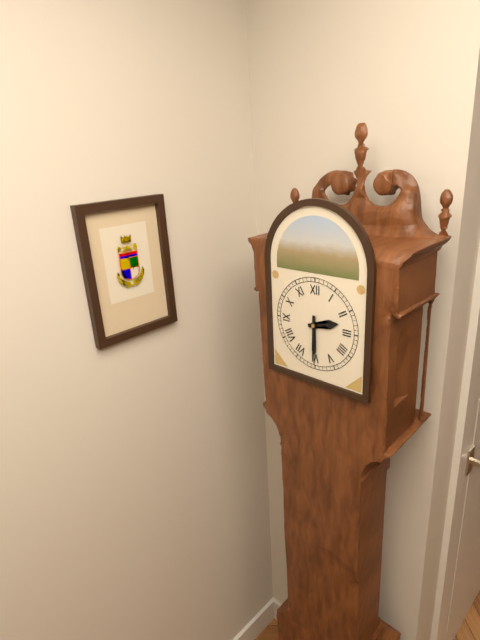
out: 2:30
